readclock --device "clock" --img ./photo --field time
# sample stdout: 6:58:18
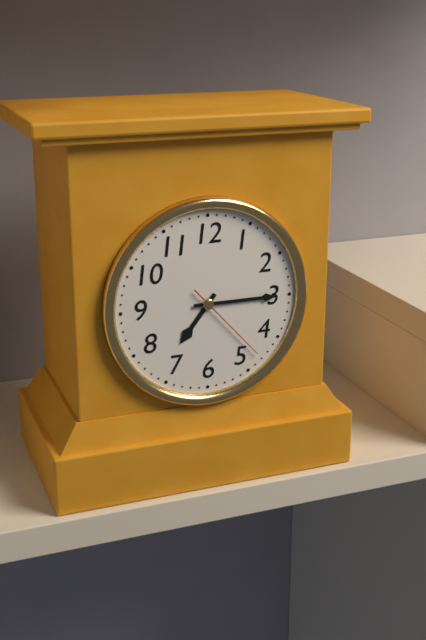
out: 7:15:23
